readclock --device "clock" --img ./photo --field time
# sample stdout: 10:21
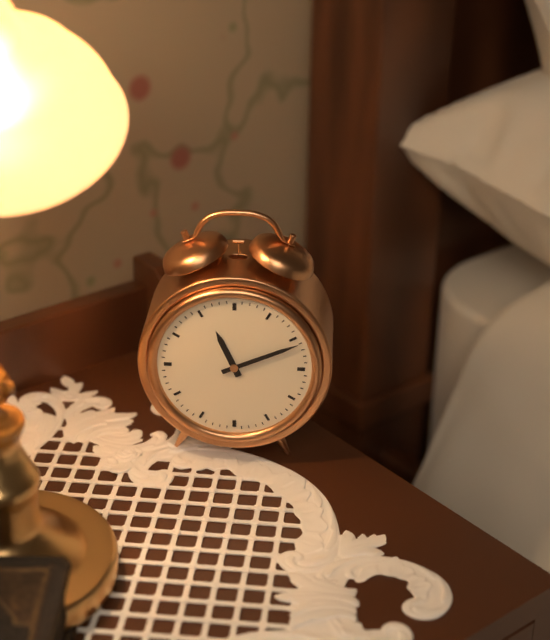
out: 11:11
